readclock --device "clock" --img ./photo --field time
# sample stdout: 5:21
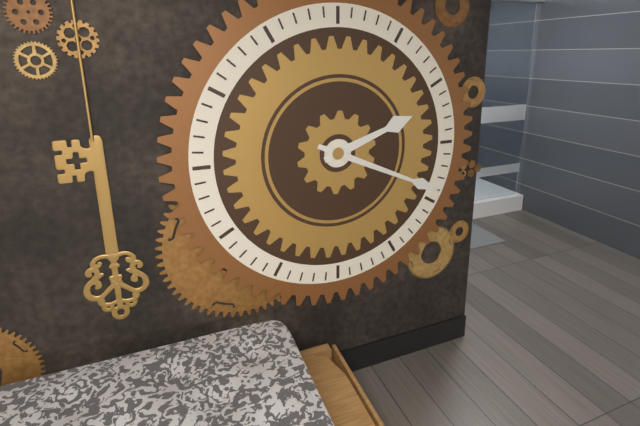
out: 2:19
